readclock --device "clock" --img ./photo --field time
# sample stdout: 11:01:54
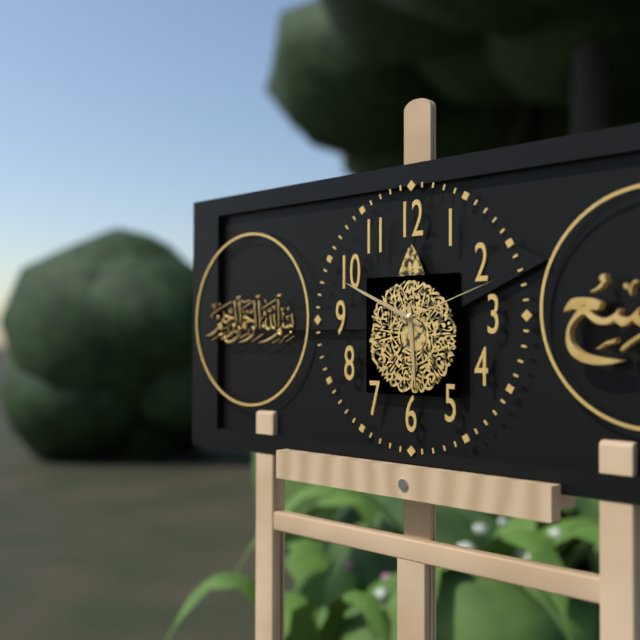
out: 5:49:12
